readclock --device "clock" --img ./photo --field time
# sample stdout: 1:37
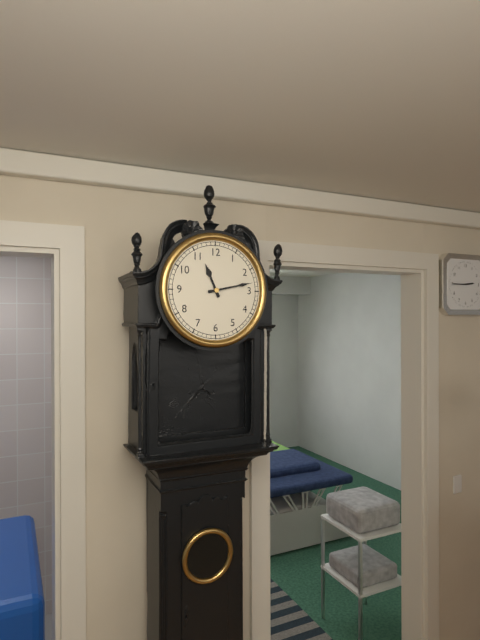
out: 11:13
